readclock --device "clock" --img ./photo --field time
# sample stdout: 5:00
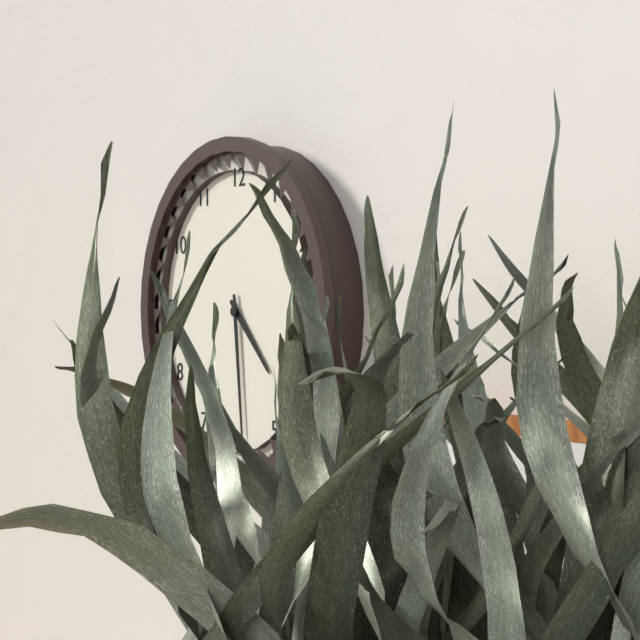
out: 4:29
